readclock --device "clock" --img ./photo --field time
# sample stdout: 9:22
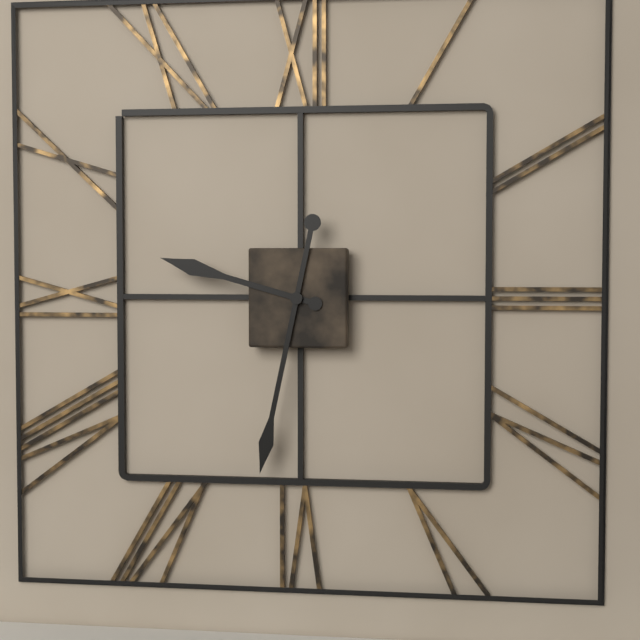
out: 9:32
